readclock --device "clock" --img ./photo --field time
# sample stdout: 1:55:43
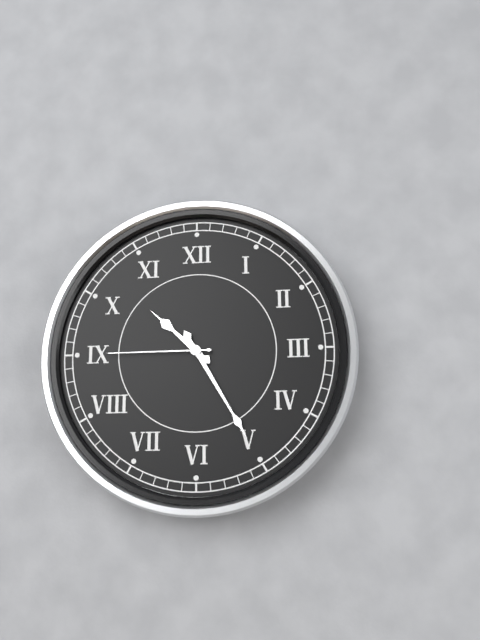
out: 10:25:45
